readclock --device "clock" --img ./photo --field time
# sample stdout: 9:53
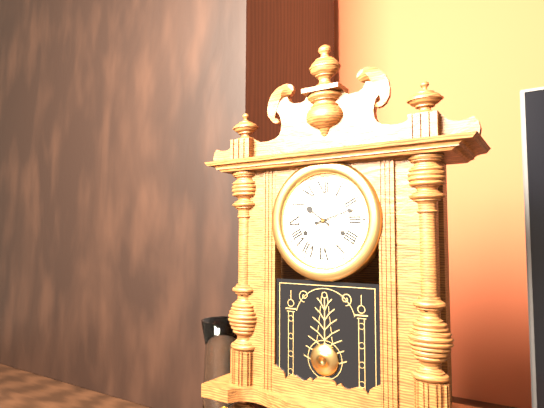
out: 10:12
